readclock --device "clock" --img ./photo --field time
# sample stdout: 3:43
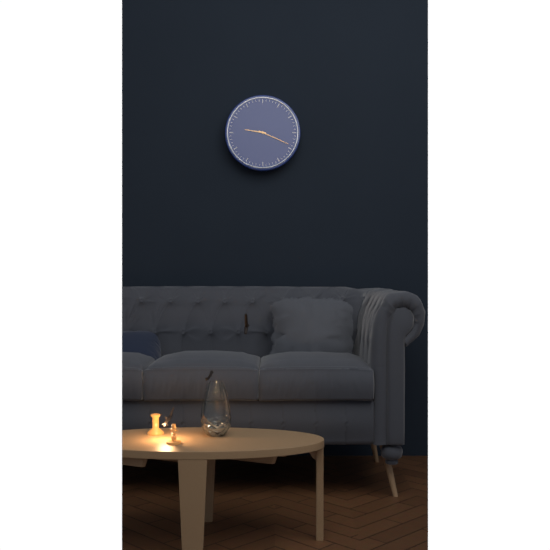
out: 9:19
